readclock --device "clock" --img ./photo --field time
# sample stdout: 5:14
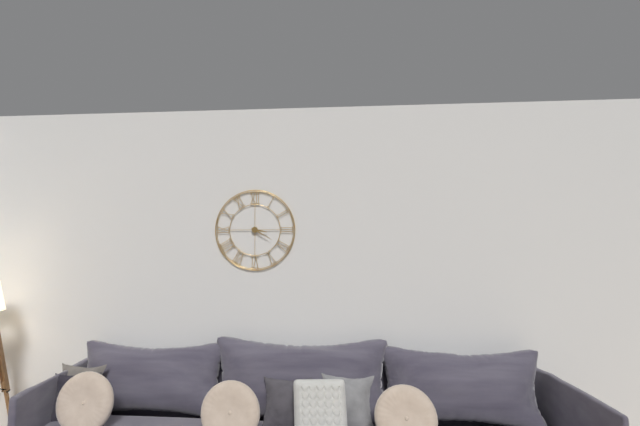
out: 3:20
